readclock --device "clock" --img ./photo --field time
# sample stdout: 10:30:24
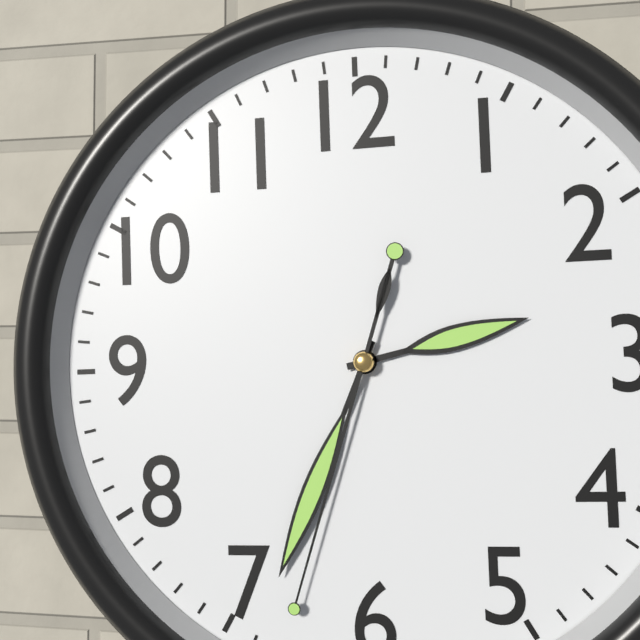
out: 2:34:33
